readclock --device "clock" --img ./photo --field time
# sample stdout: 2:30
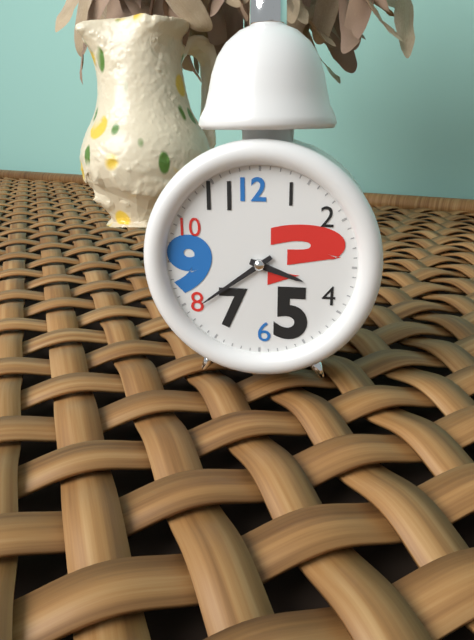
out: 3:39
